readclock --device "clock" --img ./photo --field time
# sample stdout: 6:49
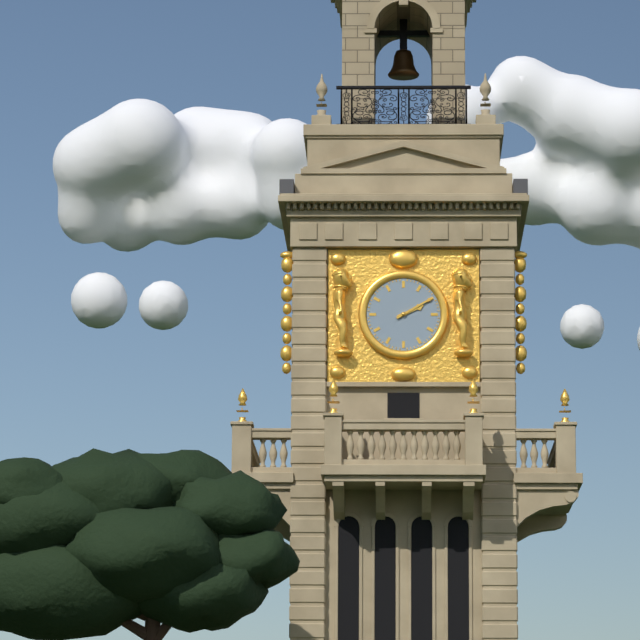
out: 2:10
